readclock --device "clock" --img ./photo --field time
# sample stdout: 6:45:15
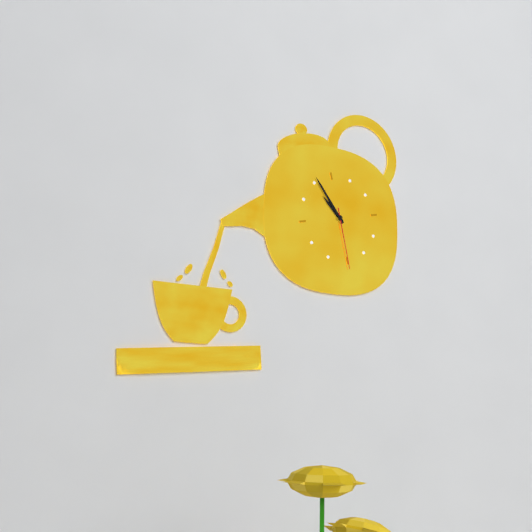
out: 10:56:30
